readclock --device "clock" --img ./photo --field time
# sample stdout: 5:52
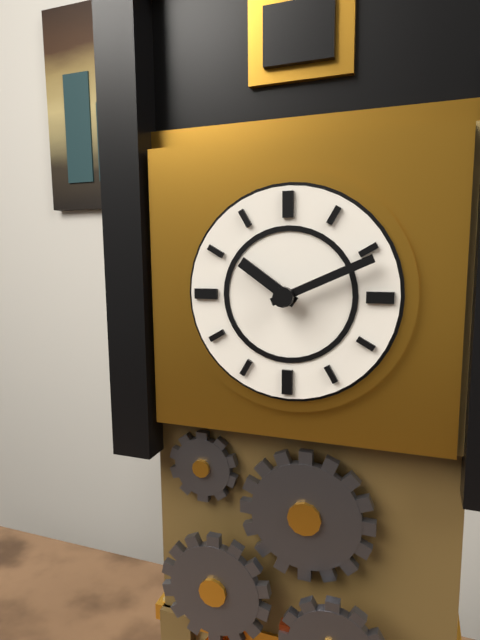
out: 10:11
